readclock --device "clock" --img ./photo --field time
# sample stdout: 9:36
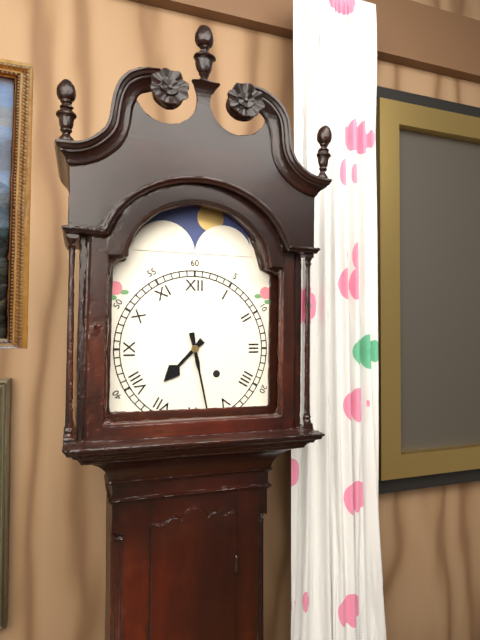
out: 7:28
